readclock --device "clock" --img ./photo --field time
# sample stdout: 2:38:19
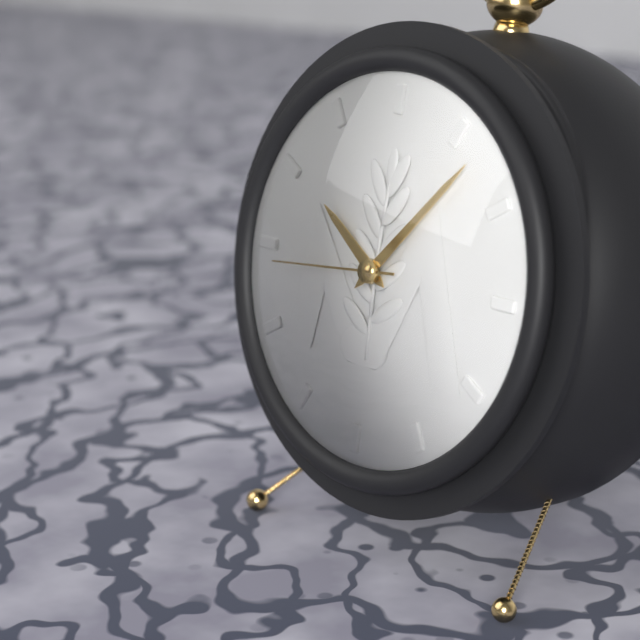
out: 10:07:44
